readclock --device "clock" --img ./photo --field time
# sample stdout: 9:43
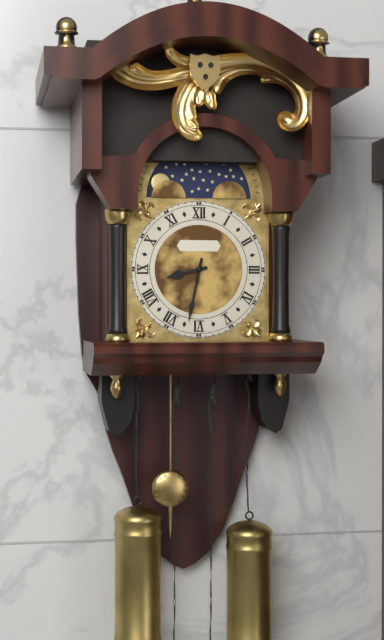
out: 8:32
